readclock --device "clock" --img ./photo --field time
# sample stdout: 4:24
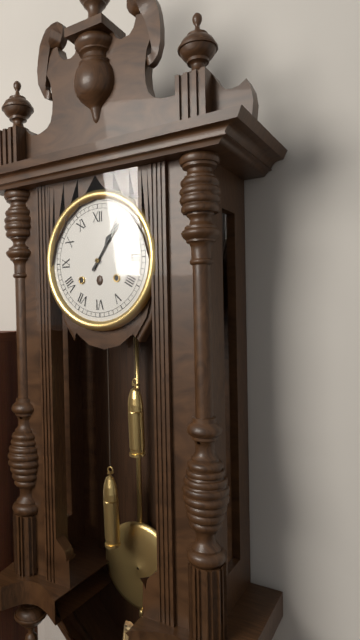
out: 1:06
